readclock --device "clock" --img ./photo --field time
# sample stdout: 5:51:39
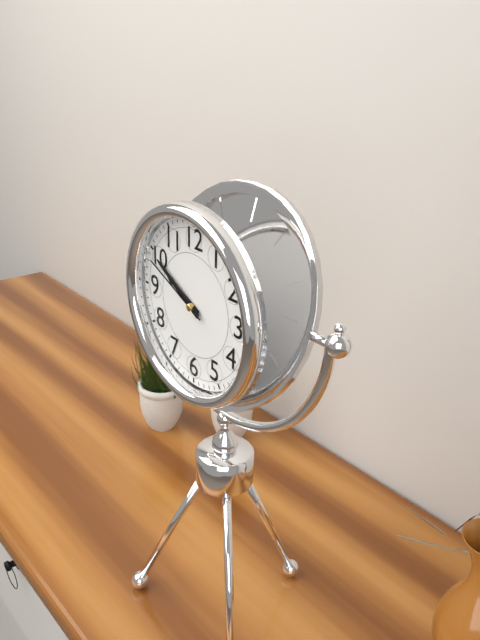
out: 9:50:49
